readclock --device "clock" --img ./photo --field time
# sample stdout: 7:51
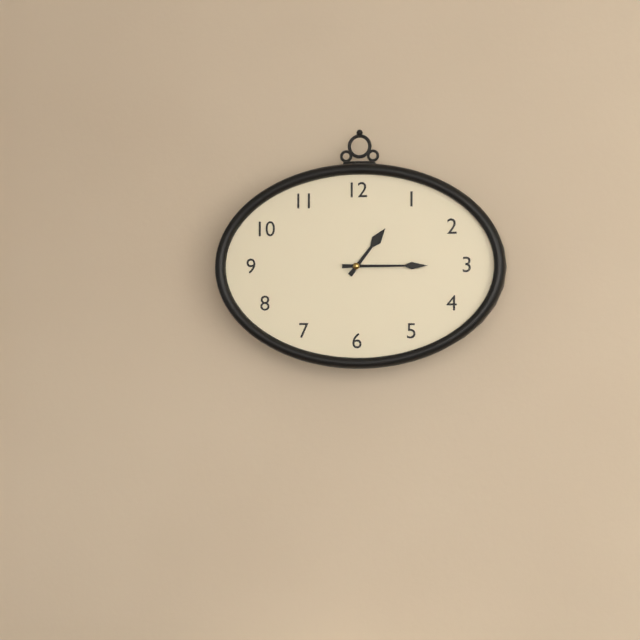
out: 1:15
